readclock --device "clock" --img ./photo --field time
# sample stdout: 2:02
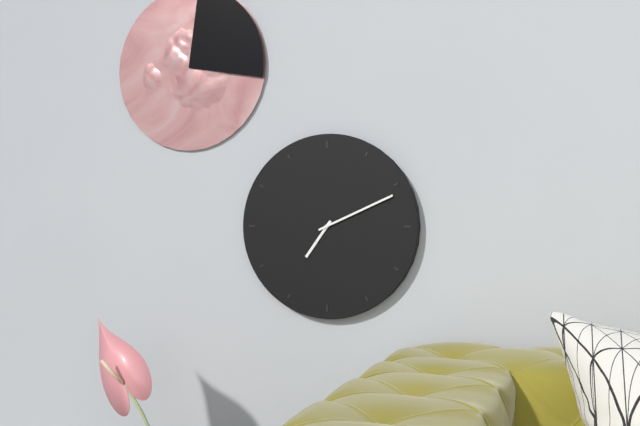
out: 7:11
